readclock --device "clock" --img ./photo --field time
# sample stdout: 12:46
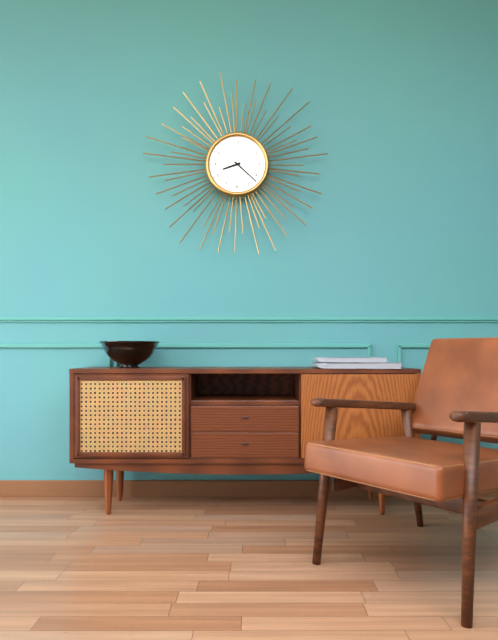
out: 8:22
